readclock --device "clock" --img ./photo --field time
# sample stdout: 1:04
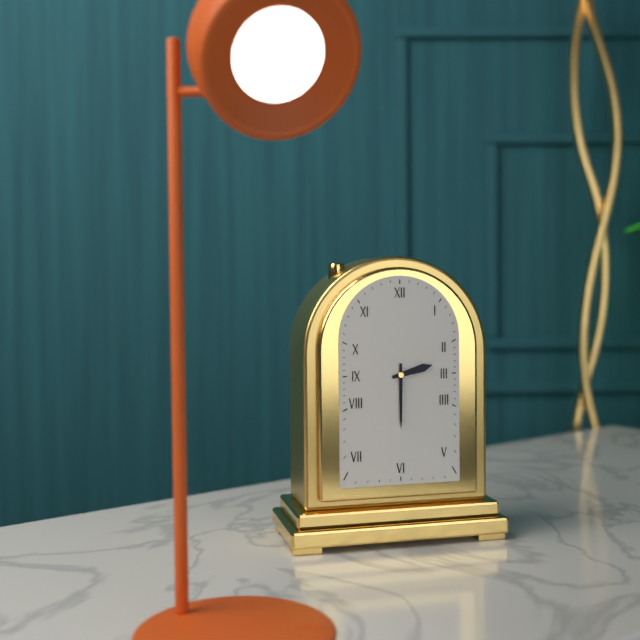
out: 2:30
